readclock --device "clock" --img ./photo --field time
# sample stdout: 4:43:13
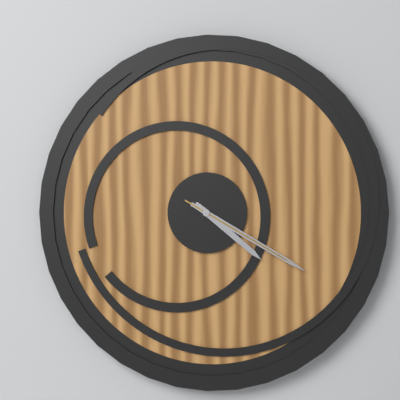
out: 4:20:20
